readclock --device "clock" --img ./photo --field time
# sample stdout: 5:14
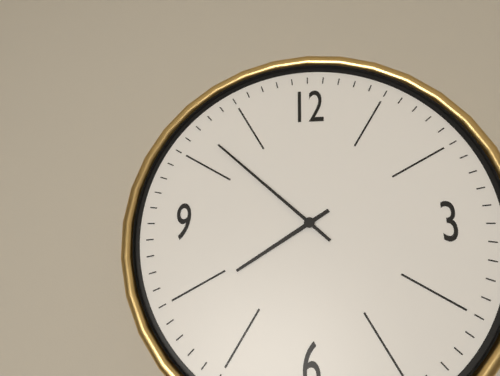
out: 7:52
